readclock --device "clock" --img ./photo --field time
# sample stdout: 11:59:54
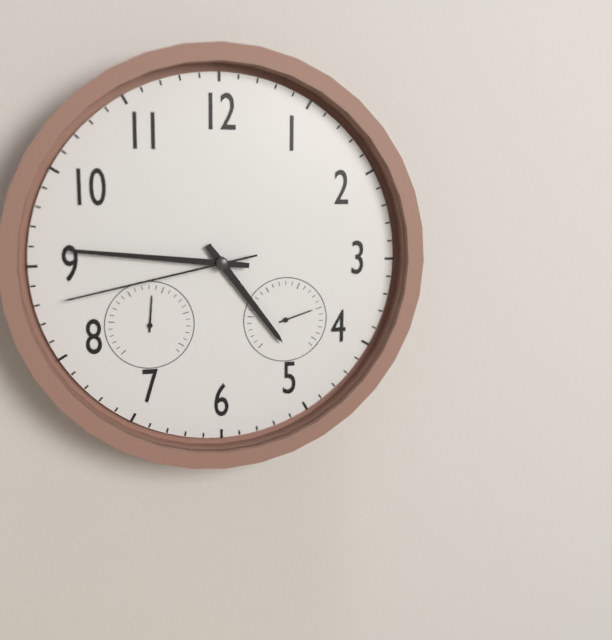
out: 4:46:43
